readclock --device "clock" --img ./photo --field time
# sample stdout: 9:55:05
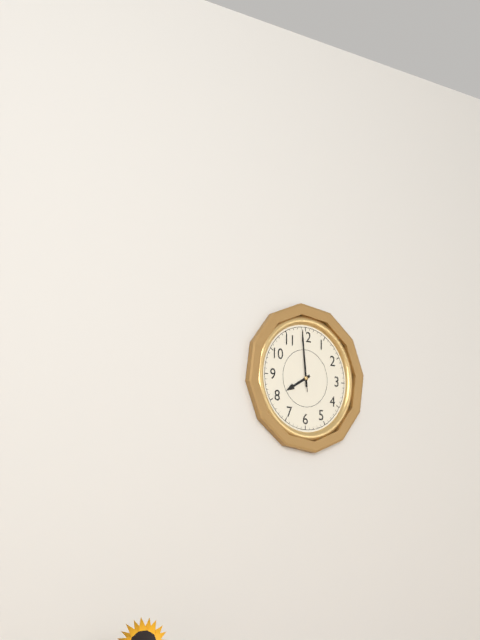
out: 7:59:59
